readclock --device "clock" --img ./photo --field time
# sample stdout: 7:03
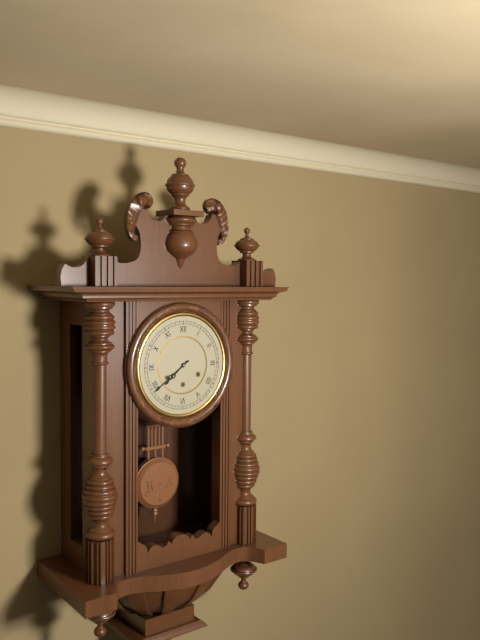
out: 7:39
